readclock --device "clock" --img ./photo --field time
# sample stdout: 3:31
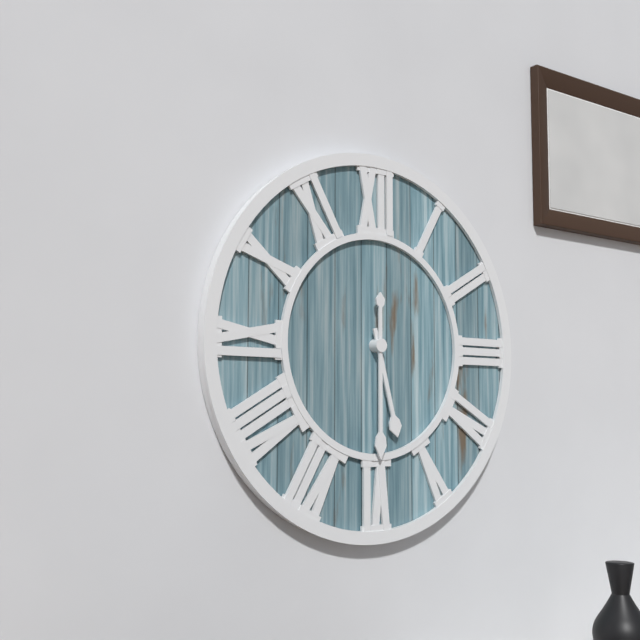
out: 5:30
